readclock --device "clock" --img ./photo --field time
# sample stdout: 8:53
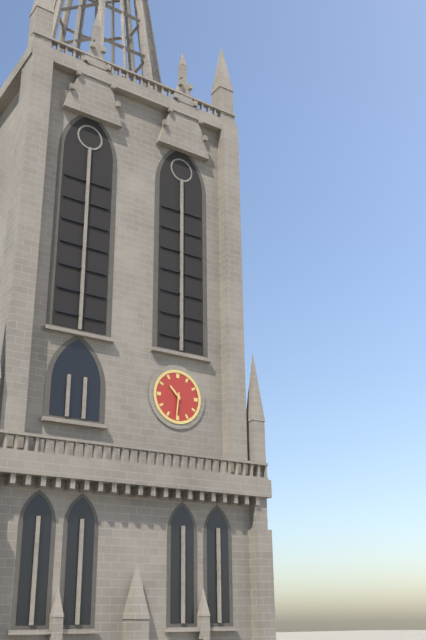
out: 10:31
